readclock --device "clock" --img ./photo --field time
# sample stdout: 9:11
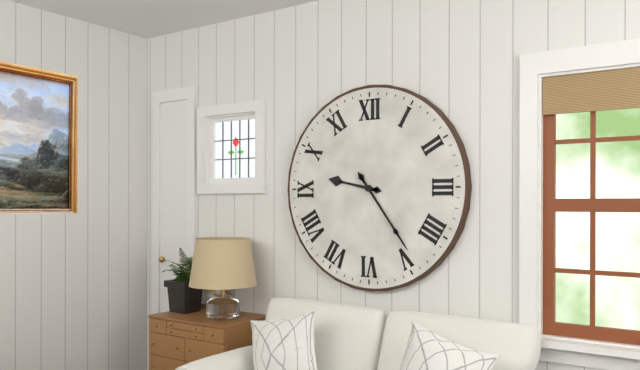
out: 9:24
